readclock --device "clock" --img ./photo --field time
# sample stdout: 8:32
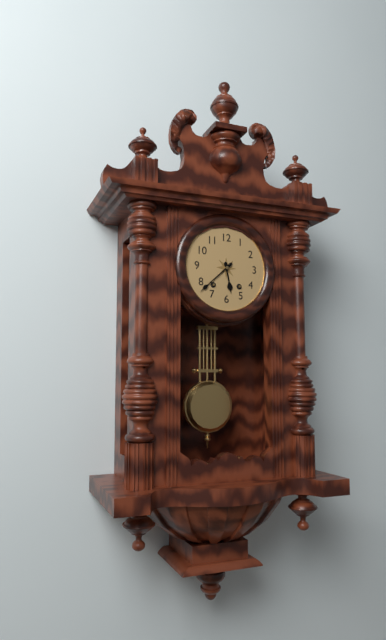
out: 5:38
